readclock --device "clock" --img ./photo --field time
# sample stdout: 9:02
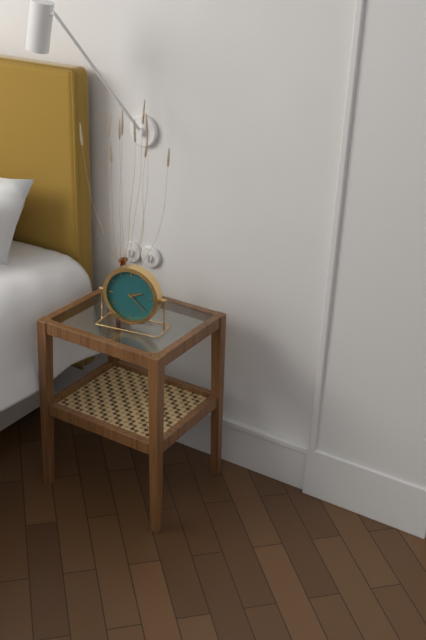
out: 2:22
